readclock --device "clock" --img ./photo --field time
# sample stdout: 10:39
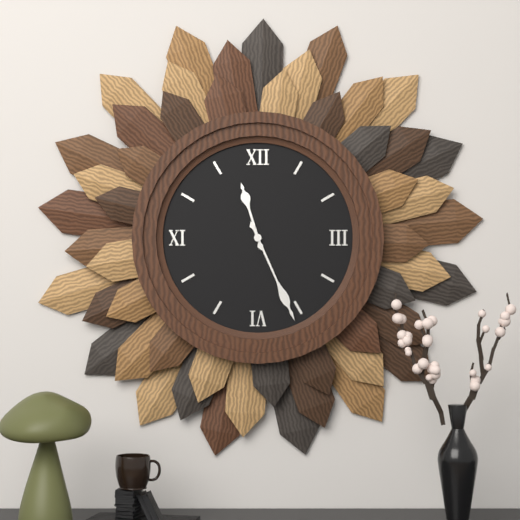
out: 11:26
